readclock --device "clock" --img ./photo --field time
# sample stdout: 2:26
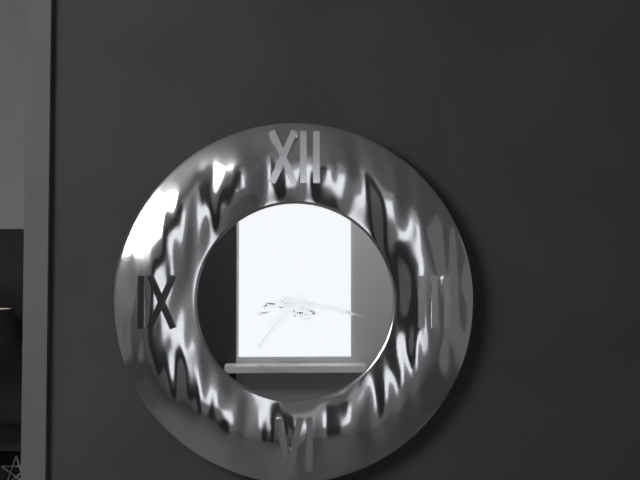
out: 7:17
